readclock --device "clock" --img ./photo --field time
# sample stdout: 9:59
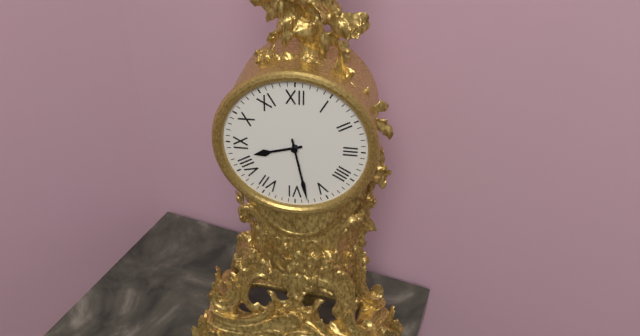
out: 8:28
